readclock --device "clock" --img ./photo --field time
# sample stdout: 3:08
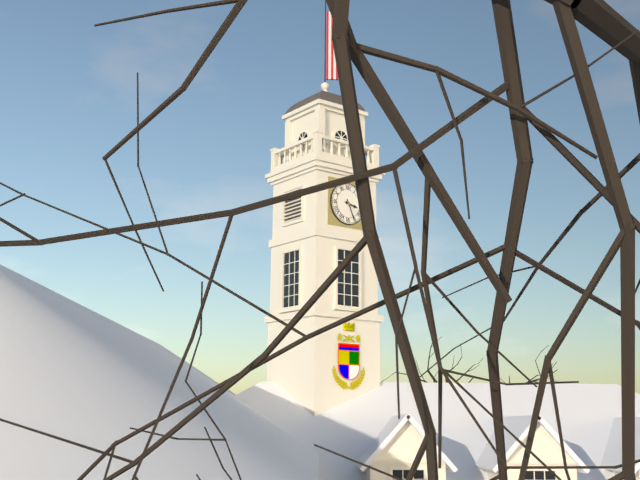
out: 3:26
